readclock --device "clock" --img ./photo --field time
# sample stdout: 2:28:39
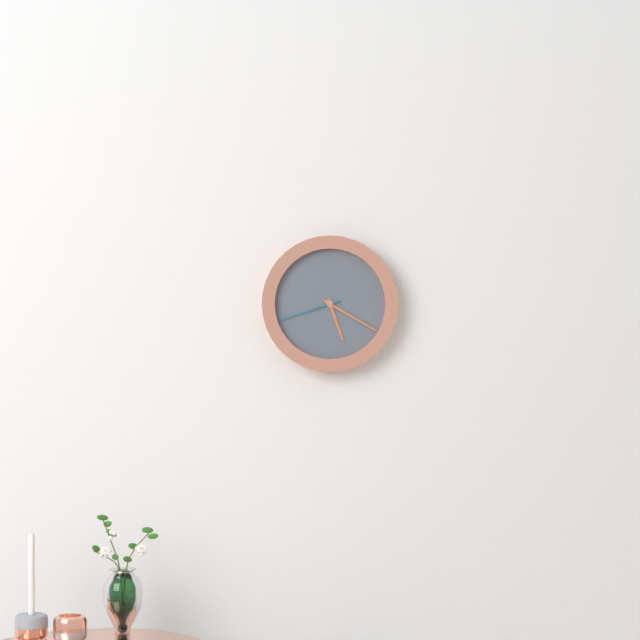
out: 5:20:42
